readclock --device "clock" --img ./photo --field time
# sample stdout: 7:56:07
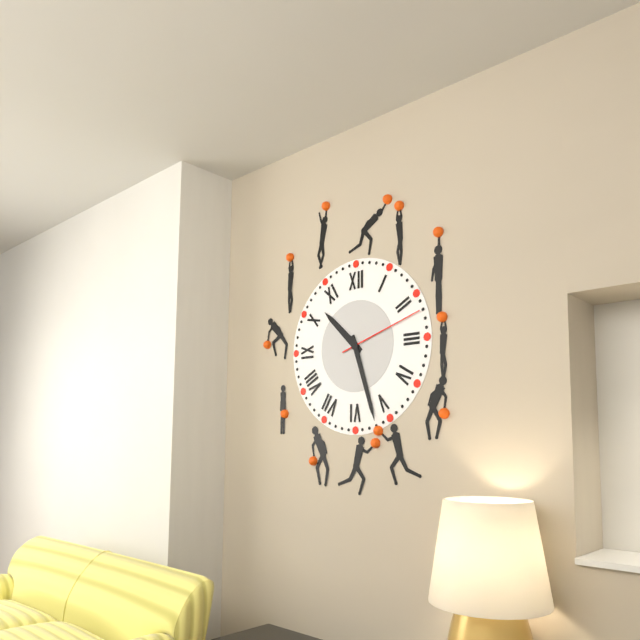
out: 10:27:12
